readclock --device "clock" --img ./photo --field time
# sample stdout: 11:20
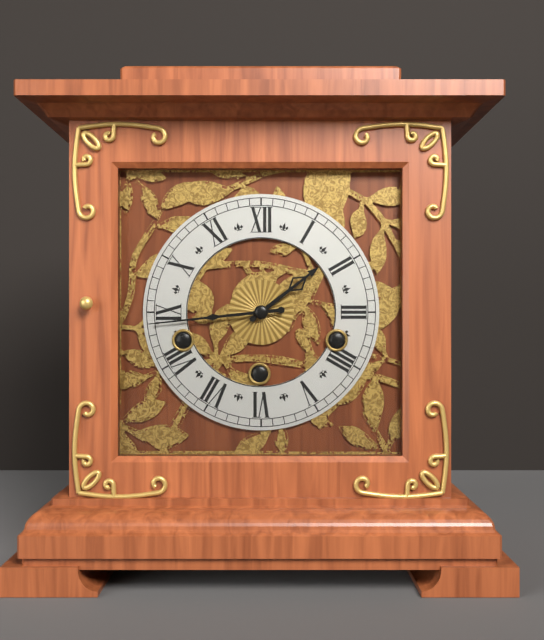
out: 1:44
